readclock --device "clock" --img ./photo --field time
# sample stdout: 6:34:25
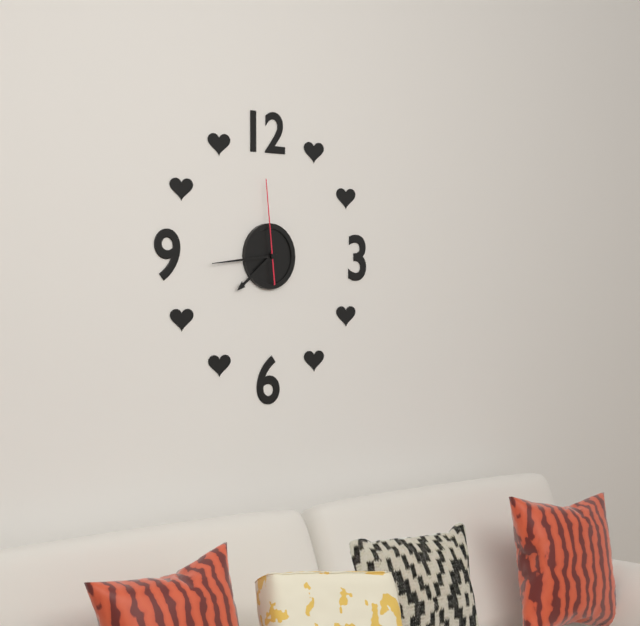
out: 7:44:59
